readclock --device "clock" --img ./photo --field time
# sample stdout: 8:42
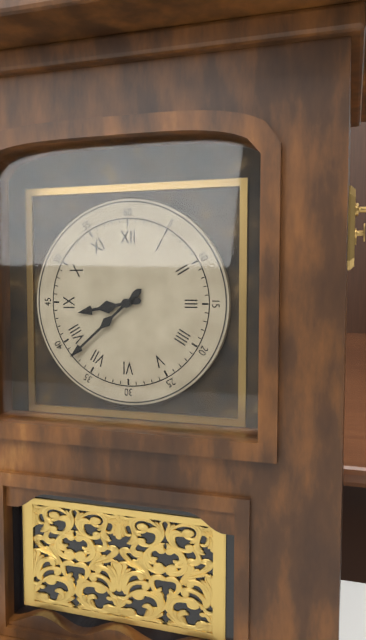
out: 8:38
